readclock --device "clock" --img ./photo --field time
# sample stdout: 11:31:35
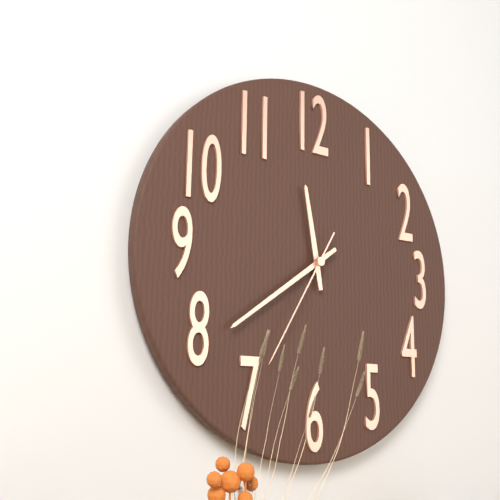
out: 11:39:35
